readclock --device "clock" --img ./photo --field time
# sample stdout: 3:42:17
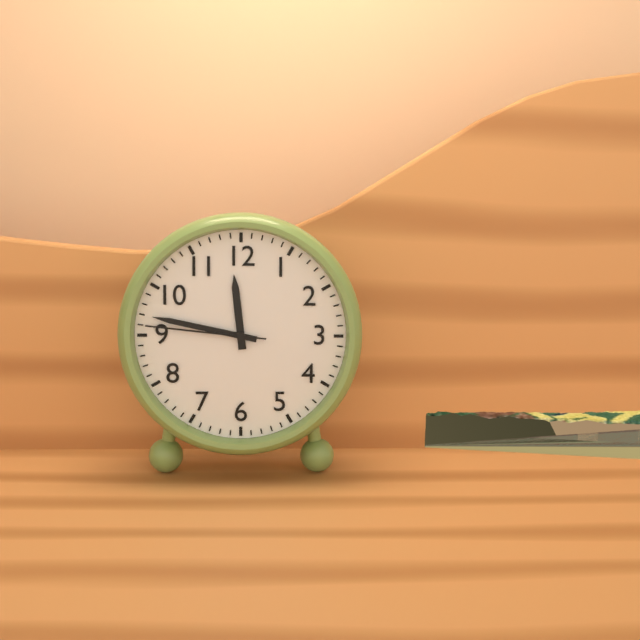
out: 11:47:46
